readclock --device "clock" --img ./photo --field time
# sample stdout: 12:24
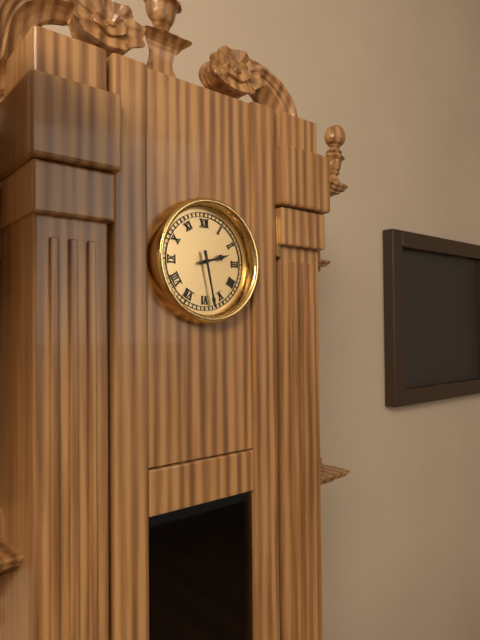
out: 2:28
